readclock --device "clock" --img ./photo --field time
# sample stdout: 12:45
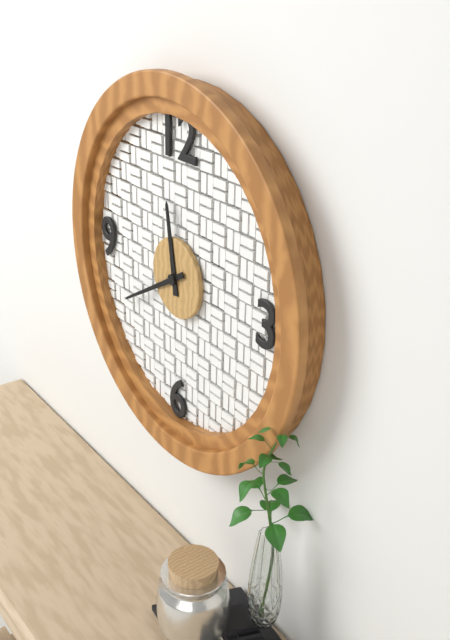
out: 11:40
